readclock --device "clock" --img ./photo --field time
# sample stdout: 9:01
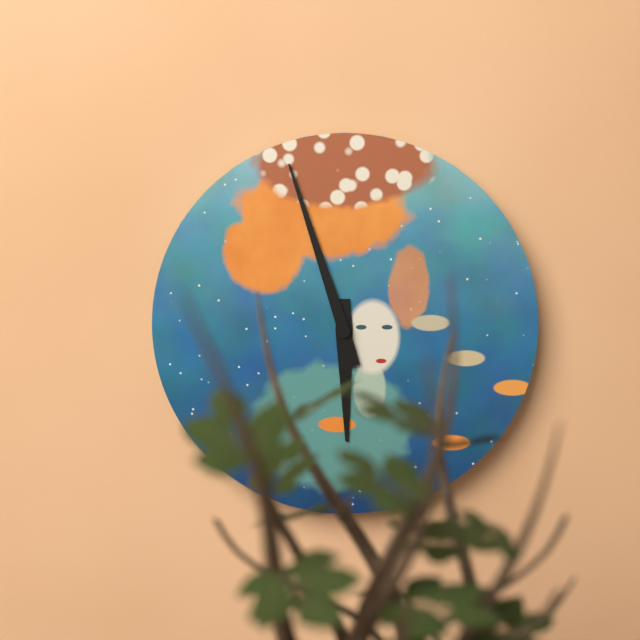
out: 5:57
